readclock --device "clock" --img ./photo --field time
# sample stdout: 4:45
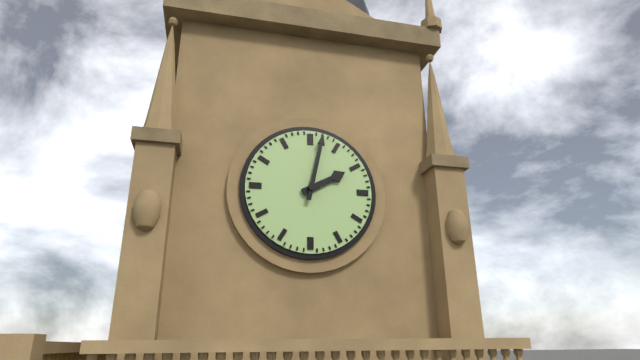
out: 2:02
